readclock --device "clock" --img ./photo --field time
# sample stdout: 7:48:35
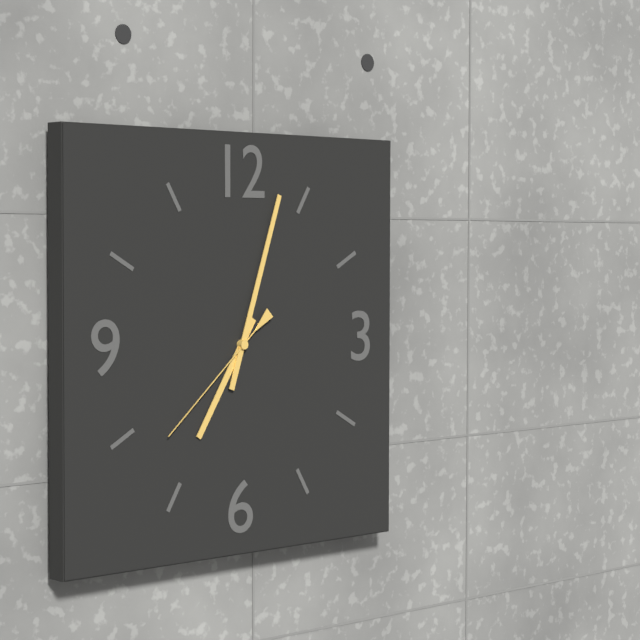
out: 7:03:38
